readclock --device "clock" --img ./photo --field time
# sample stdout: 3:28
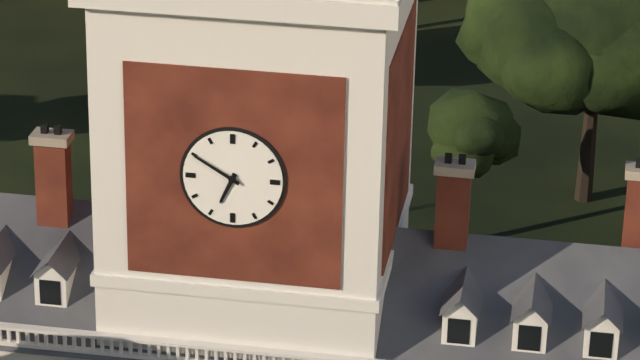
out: 6:50
